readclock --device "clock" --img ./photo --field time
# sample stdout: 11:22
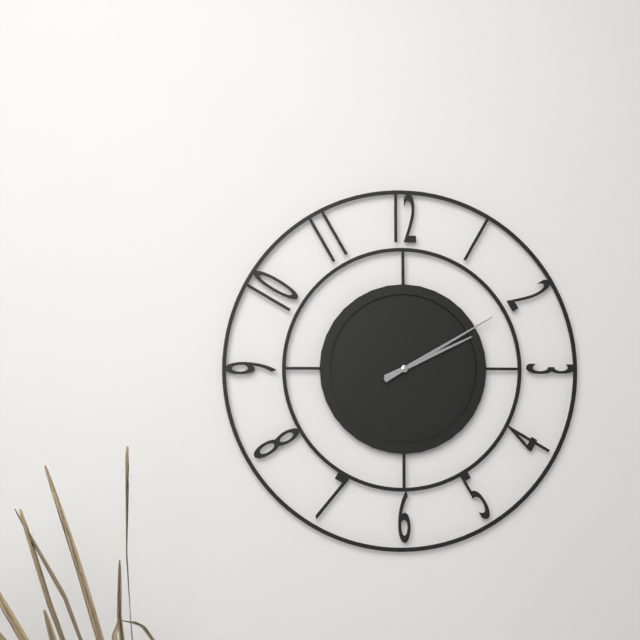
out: 2:10
